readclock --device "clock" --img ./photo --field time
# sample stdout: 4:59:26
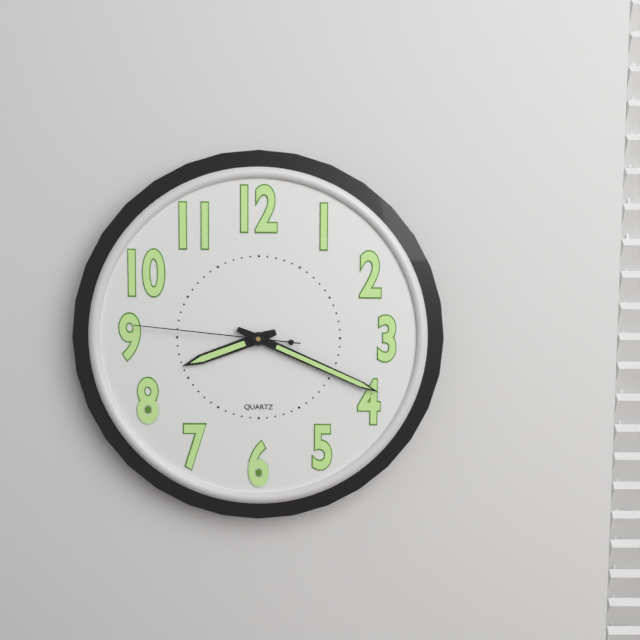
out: 8:19:46
